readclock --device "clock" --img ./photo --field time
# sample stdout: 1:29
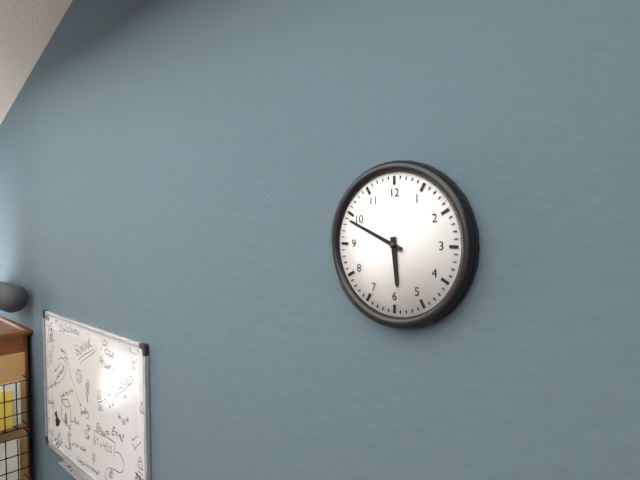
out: 5:49
